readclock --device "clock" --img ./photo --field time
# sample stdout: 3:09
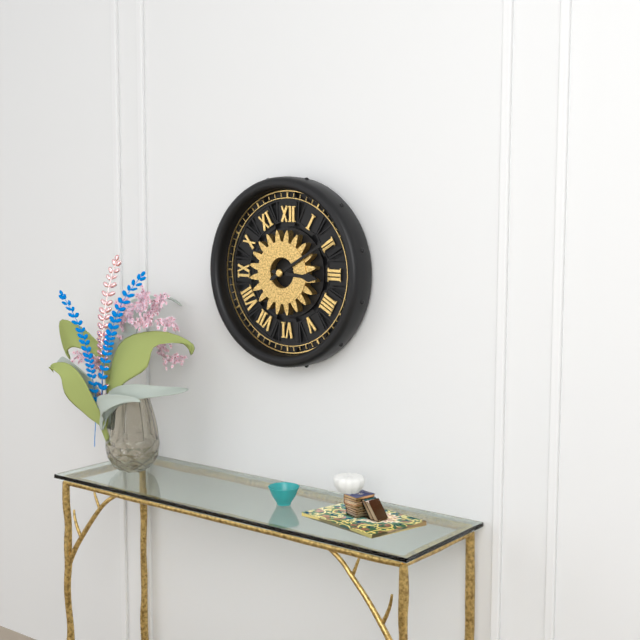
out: 3:10
